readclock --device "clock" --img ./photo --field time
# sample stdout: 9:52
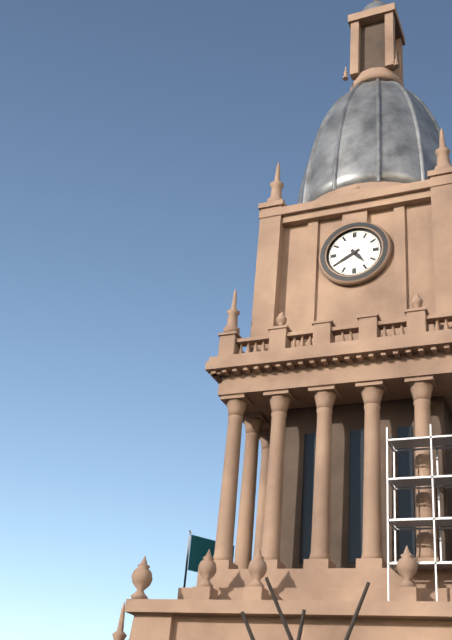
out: 4:40
